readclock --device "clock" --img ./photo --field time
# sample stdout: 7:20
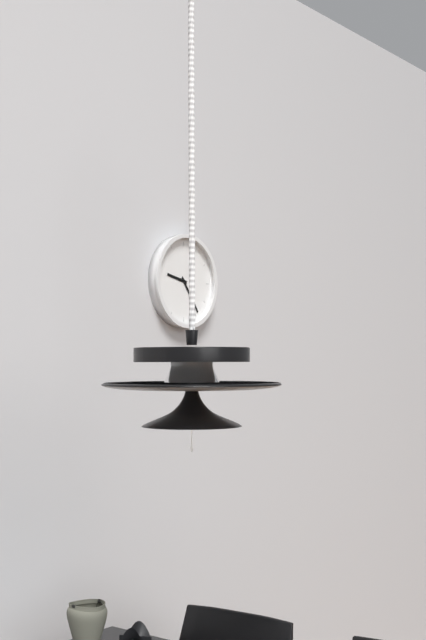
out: 9:24
